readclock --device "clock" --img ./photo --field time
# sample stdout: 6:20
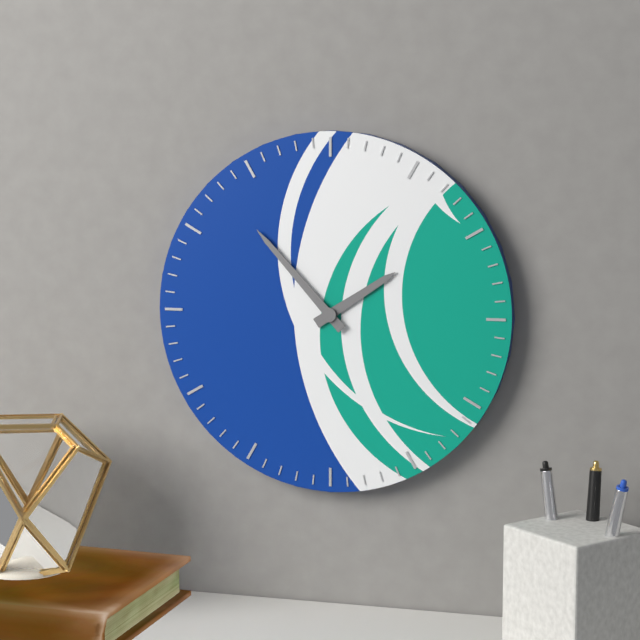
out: 1:53
